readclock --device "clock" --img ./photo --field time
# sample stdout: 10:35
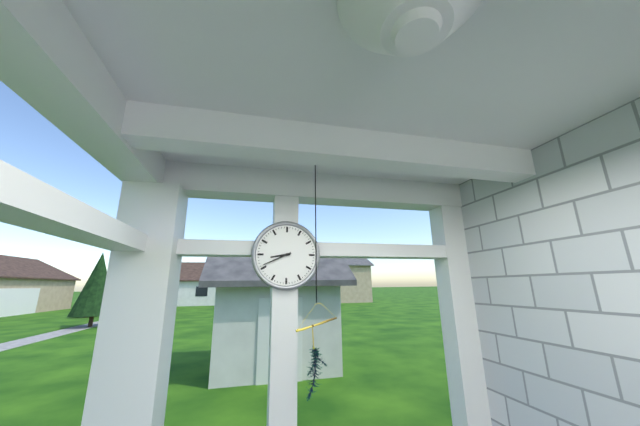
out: 8:41
